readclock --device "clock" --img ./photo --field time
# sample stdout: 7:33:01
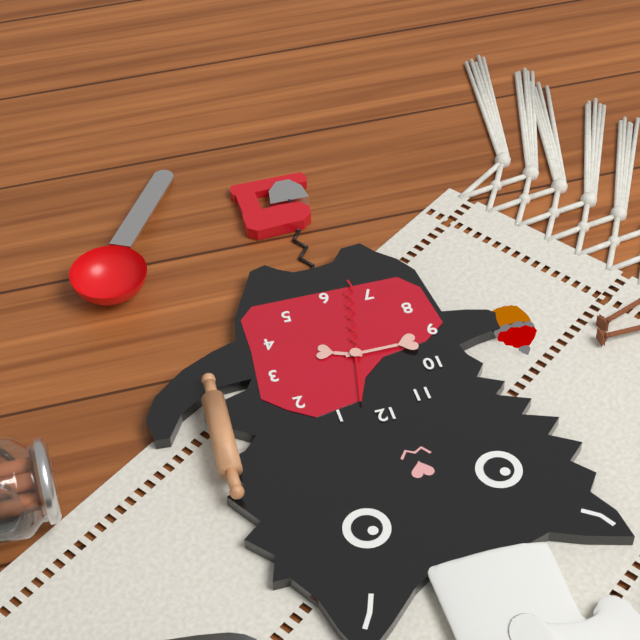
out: 3:45:32
